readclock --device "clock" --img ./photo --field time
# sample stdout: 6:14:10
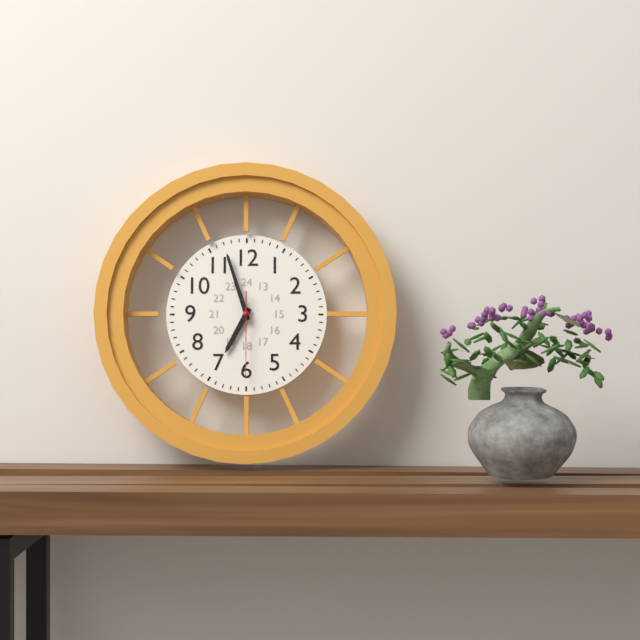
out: 6:57:30
